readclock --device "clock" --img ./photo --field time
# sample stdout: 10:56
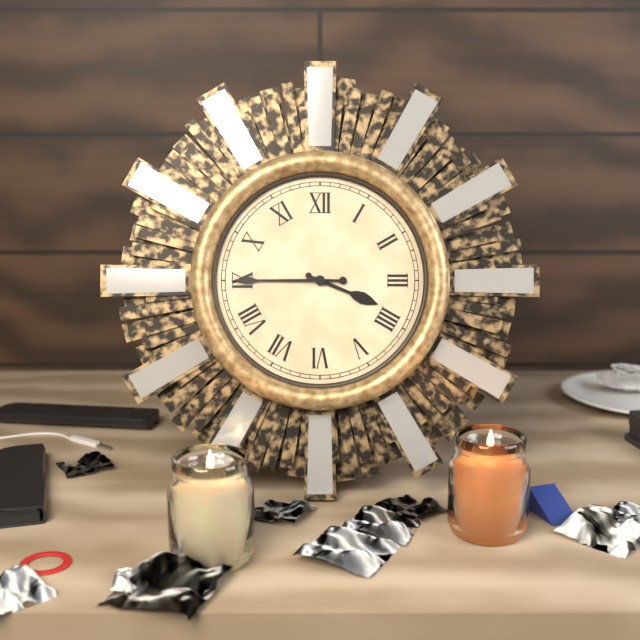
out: 3:45
